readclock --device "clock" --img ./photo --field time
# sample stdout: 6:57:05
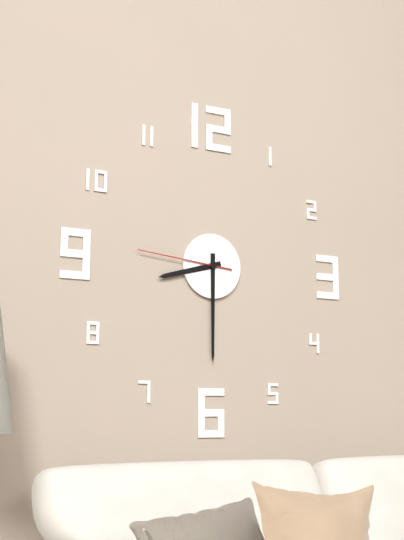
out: 8:30:46
